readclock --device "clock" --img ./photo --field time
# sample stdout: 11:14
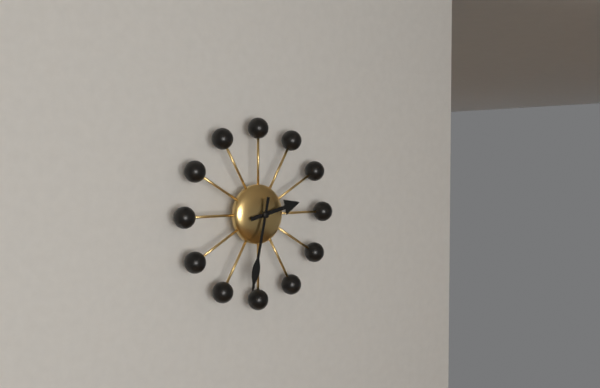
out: 2:32
